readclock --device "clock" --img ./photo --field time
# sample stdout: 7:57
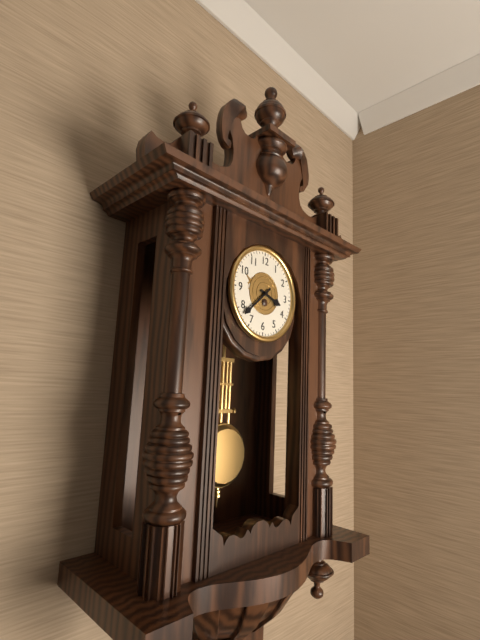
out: 3:38
